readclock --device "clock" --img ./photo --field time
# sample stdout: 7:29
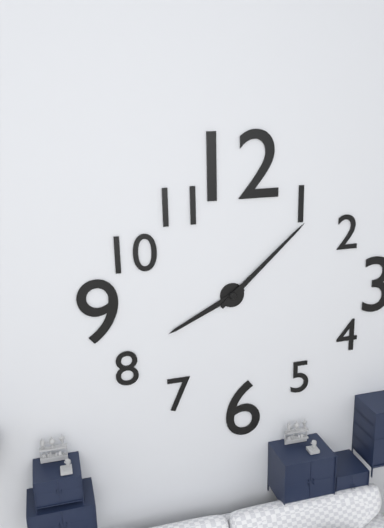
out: 8:08
